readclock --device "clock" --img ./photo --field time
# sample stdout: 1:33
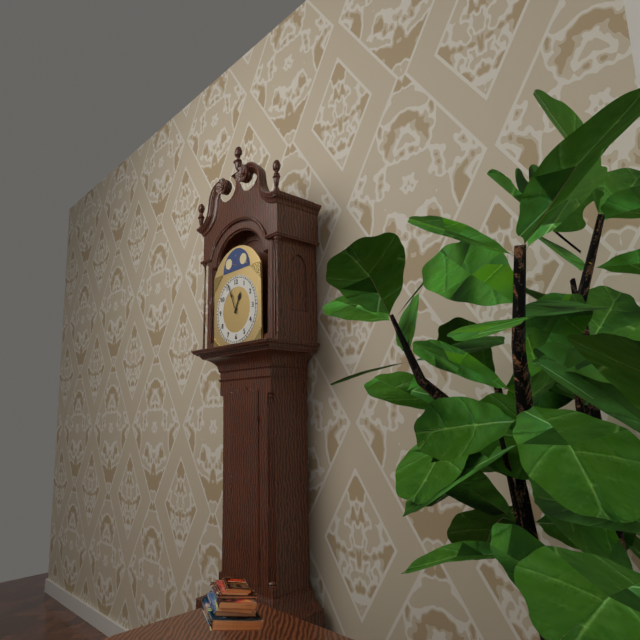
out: 12:56
